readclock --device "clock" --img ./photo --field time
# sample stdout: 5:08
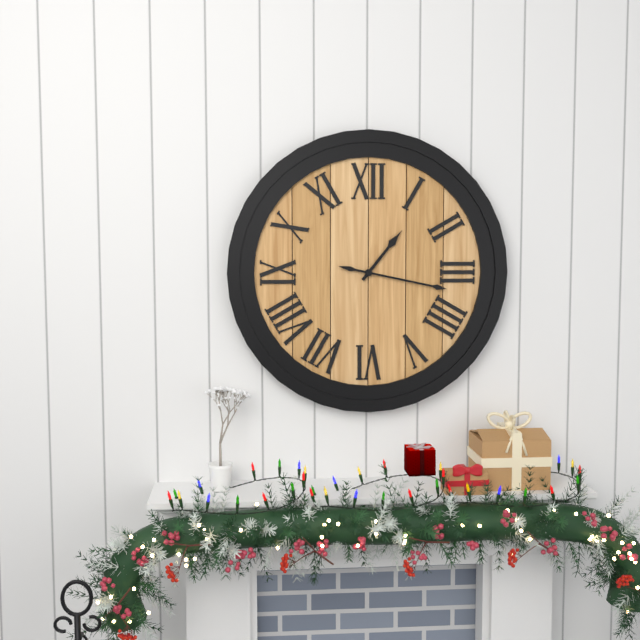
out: 1:17
